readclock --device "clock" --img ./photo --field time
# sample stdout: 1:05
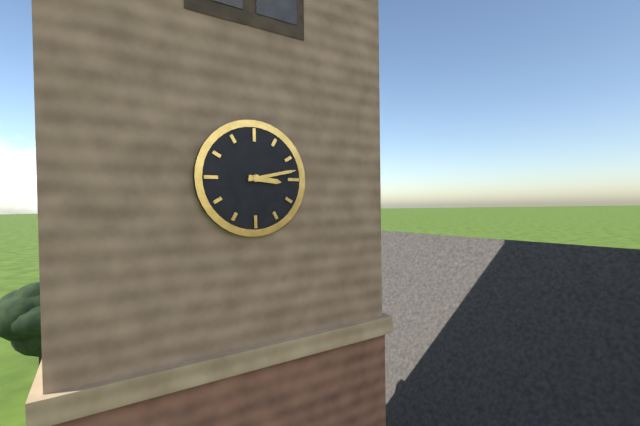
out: 3:13
